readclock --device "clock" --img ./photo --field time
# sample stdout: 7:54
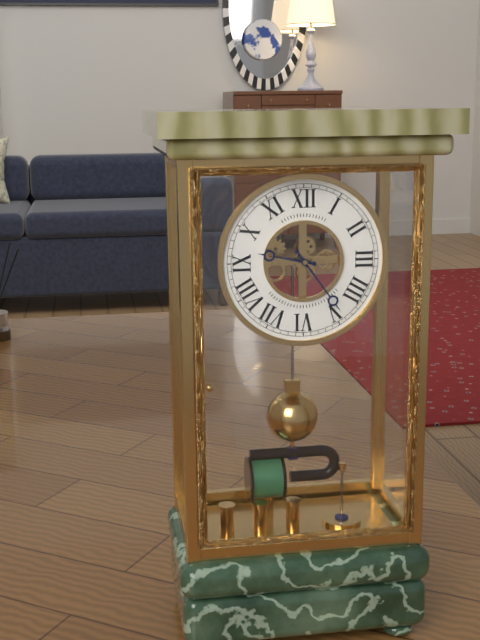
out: 9:24
